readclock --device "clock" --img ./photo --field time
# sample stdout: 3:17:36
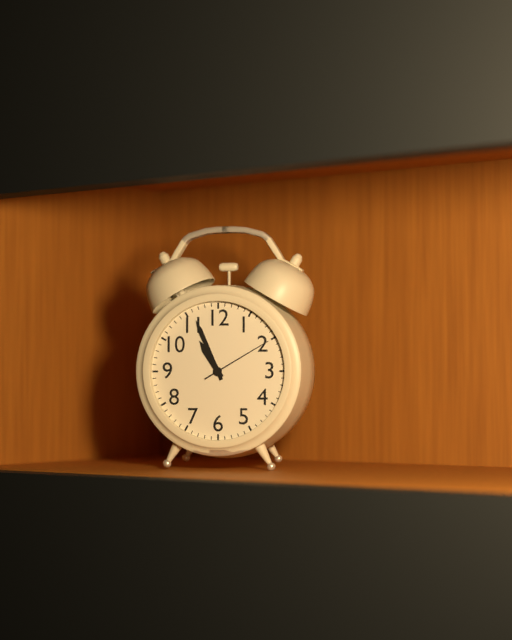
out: 10:56:10
